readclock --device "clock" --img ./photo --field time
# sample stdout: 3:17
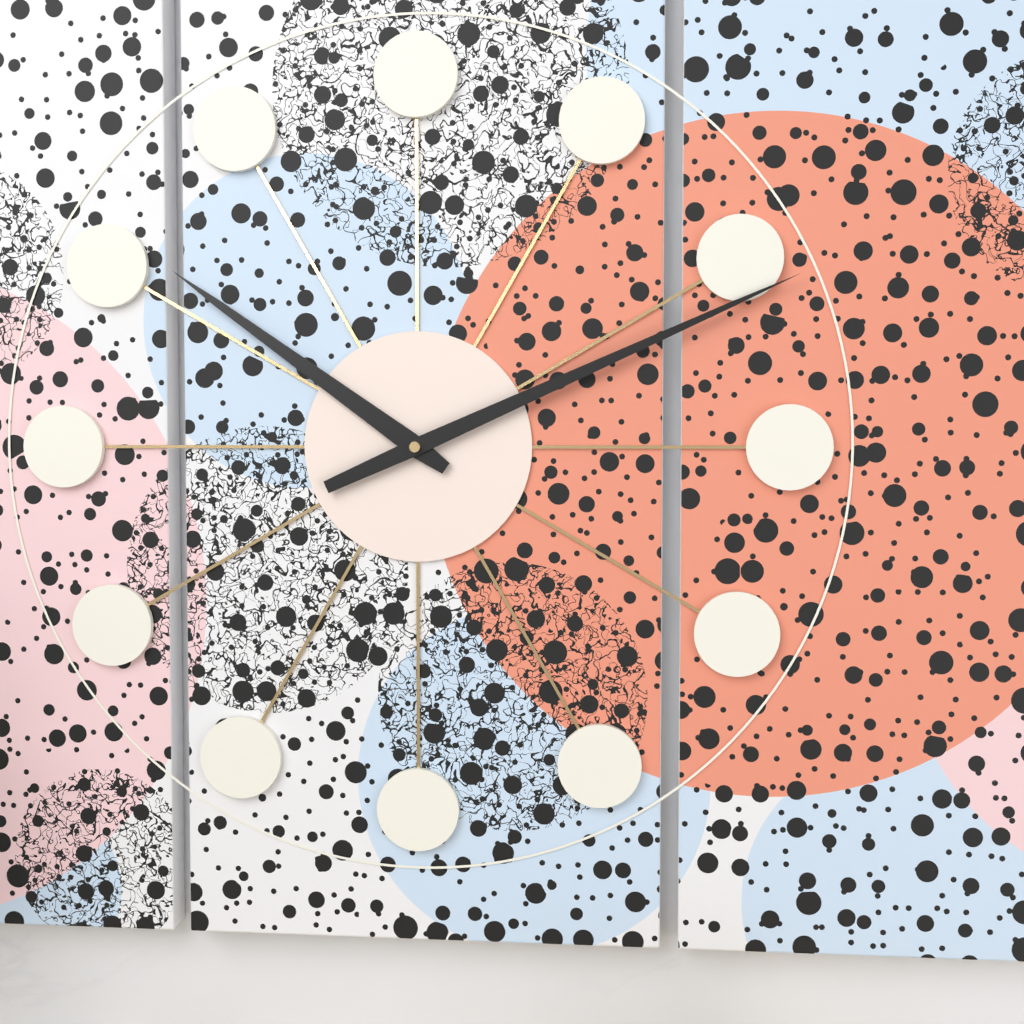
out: 10:11
